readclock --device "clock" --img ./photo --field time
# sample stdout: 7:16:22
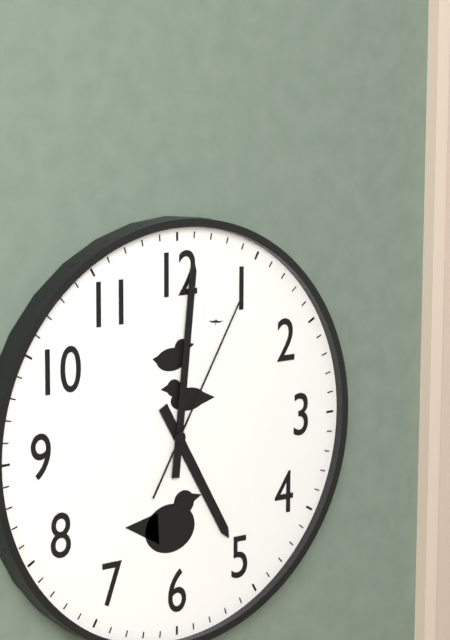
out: 5:01:05
